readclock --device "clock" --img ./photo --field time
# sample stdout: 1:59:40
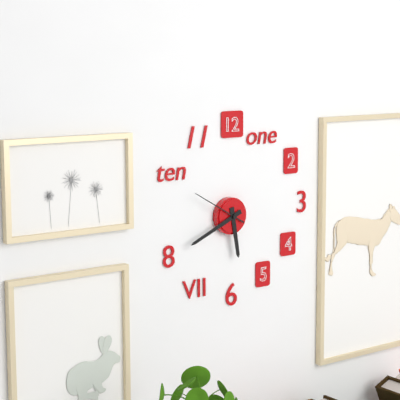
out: 5:41:50
